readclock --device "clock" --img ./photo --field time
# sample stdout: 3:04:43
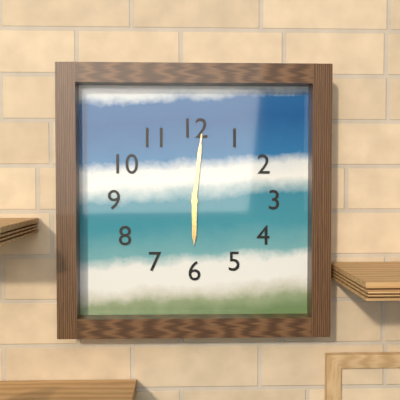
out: 6:01:01
